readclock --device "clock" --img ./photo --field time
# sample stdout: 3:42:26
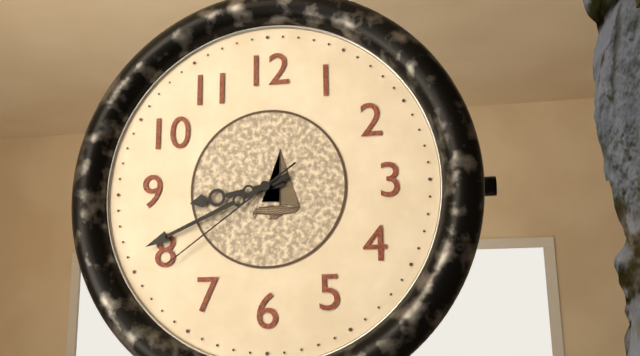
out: 8:41:39
